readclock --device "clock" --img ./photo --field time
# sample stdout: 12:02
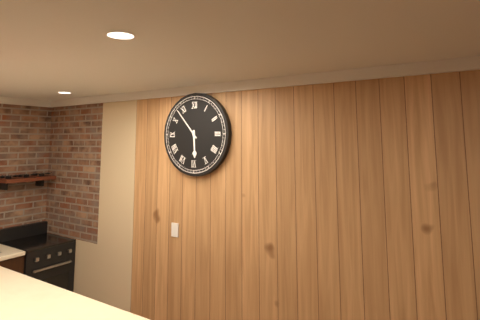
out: 5:53
